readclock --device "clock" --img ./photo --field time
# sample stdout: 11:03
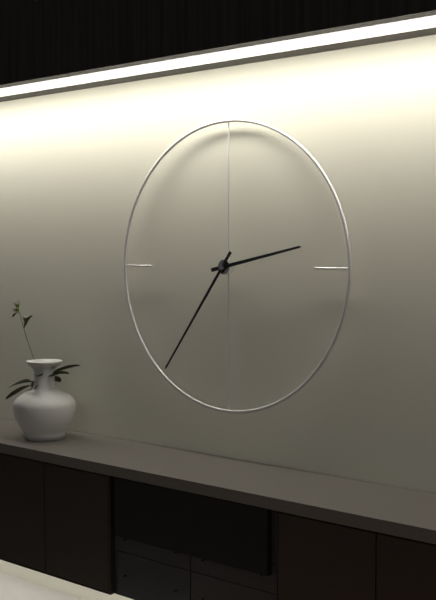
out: 2:36
